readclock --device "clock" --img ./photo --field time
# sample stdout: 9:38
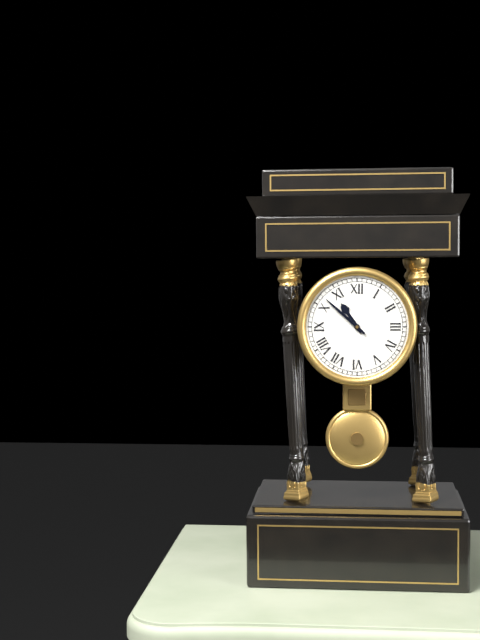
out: 10:52
